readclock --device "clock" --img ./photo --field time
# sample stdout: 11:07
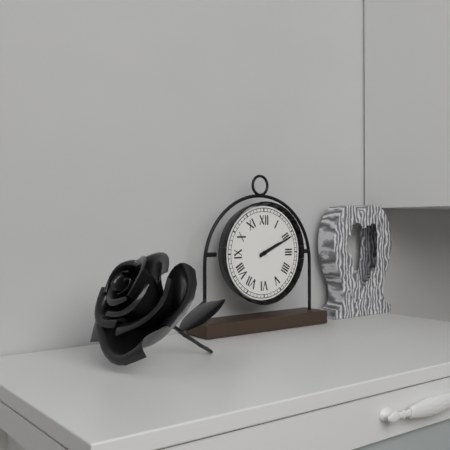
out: 2:11
